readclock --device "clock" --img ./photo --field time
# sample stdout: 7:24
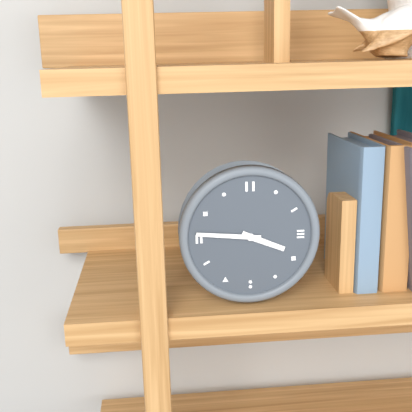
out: 3:46
